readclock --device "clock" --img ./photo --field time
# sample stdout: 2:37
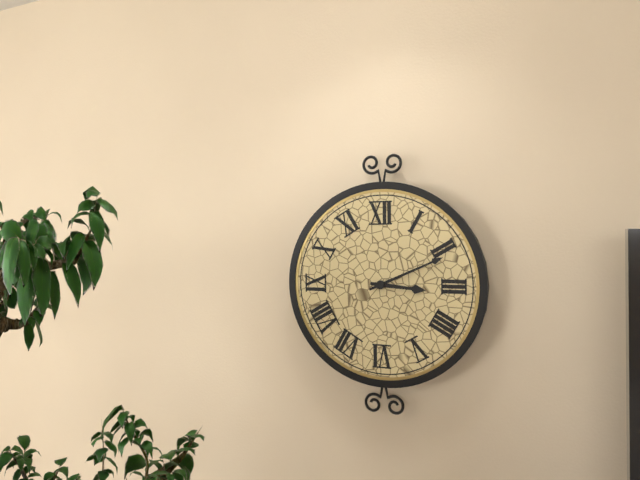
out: 3:11
